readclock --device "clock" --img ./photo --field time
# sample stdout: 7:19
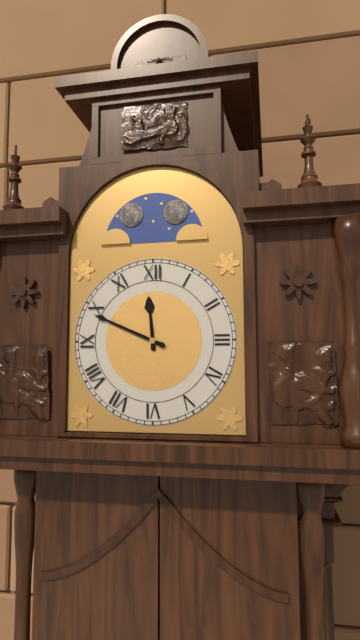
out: 11:49
